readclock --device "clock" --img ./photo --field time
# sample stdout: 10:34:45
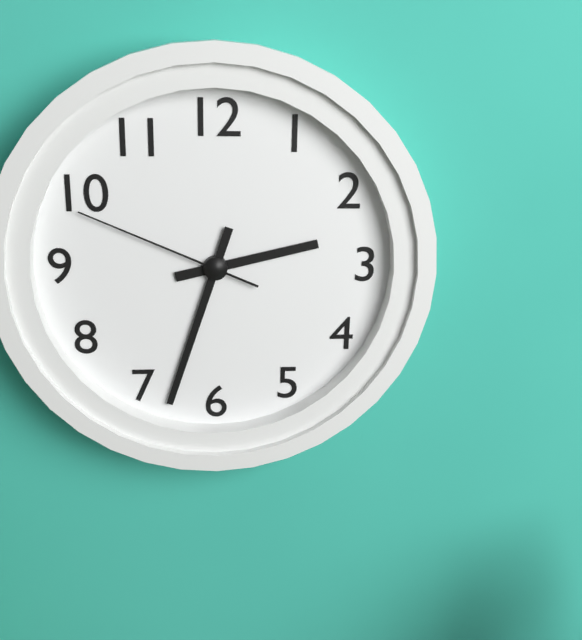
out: 2:33:49
